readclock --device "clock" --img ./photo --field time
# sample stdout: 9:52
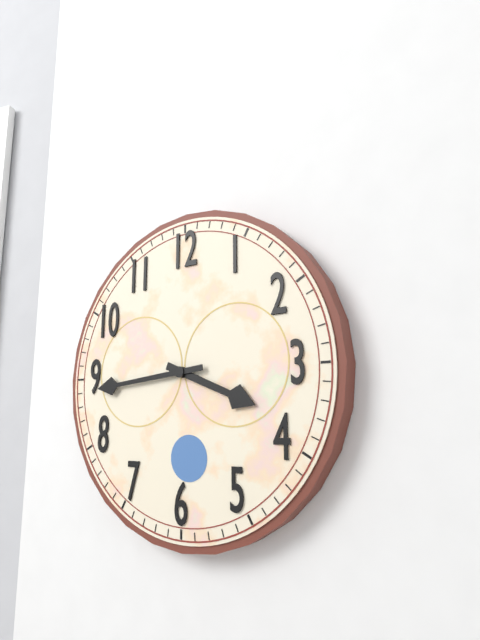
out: 3:44
